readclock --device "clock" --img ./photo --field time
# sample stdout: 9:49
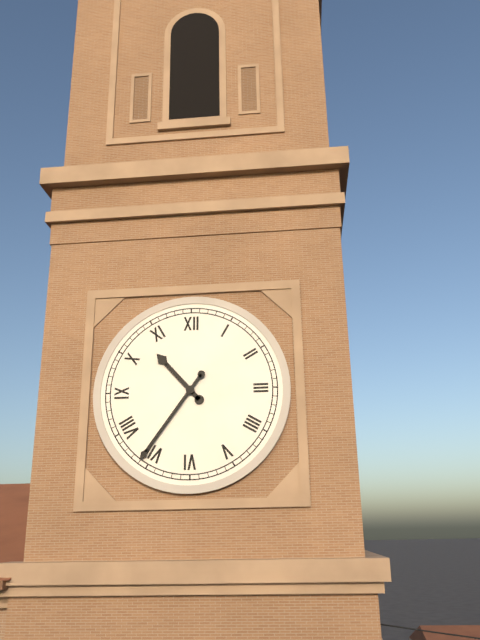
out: 10:36
